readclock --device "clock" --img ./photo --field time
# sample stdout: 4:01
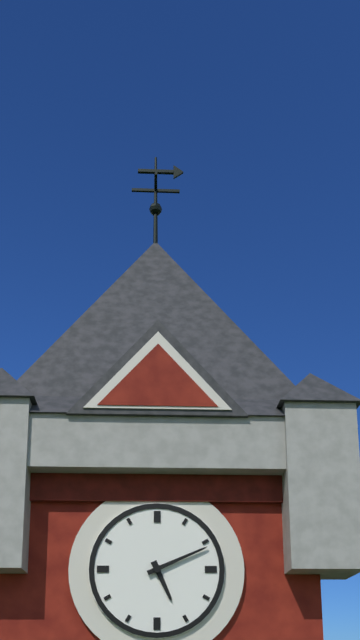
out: 5:11
